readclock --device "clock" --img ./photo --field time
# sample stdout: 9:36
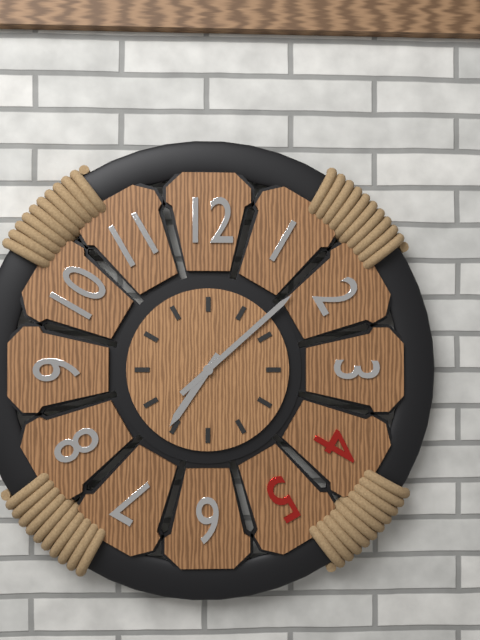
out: 7:08
